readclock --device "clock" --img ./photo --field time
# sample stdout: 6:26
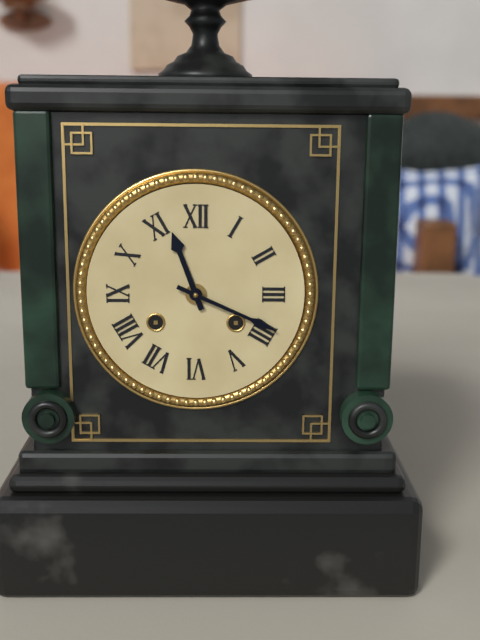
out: 11:19
